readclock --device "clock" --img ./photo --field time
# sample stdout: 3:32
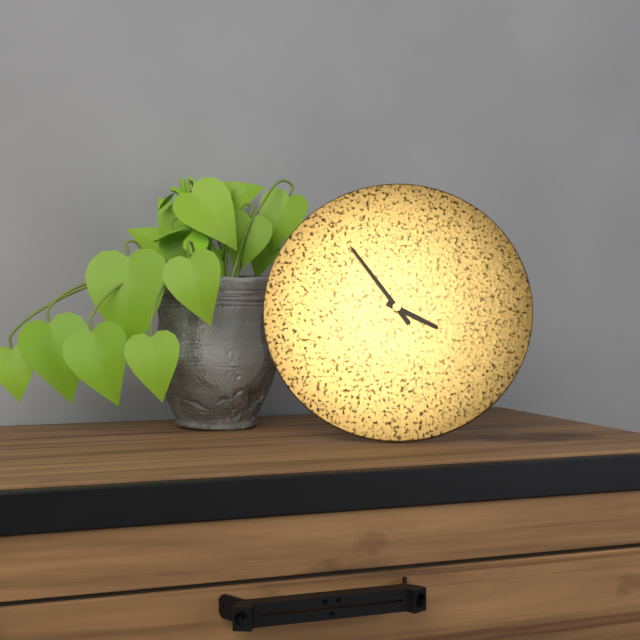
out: 3:54
